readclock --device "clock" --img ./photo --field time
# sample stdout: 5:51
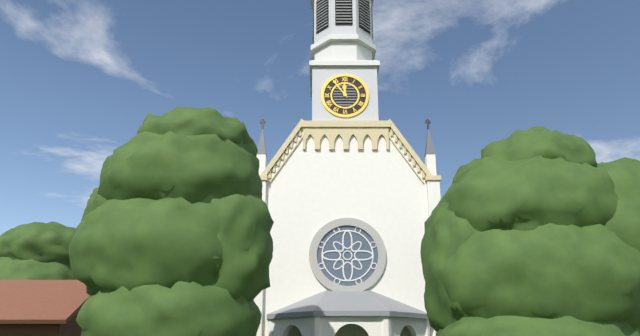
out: 11:54
